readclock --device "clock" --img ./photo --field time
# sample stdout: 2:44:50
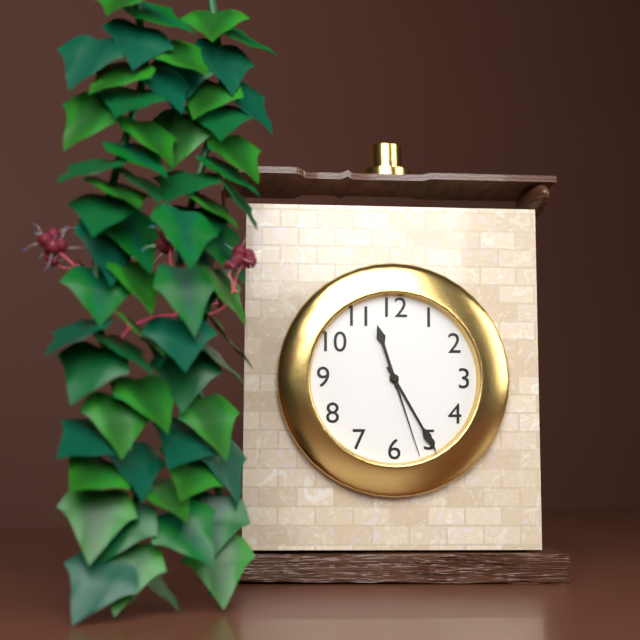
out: 11:25:27
